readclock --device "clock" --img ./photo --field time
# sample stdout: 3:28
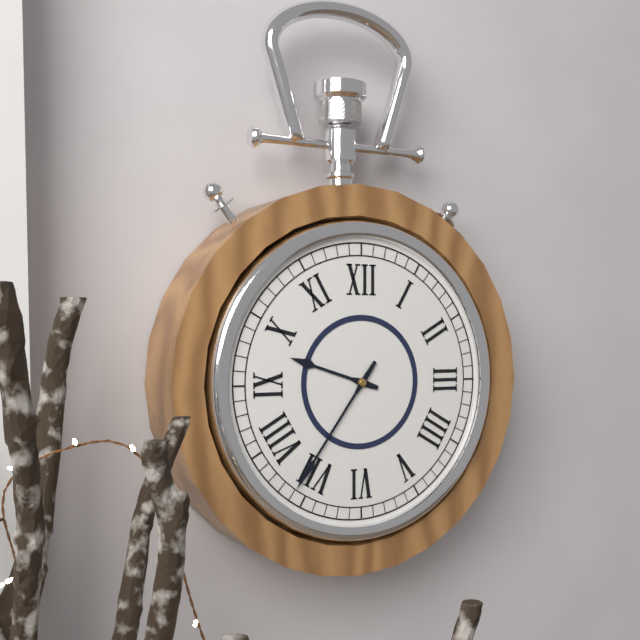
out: 9:36
